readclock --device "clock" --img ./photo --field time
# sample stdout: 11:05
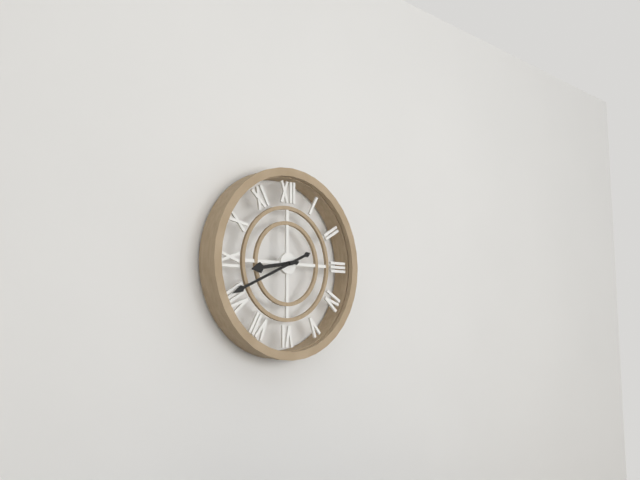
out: 8:41
